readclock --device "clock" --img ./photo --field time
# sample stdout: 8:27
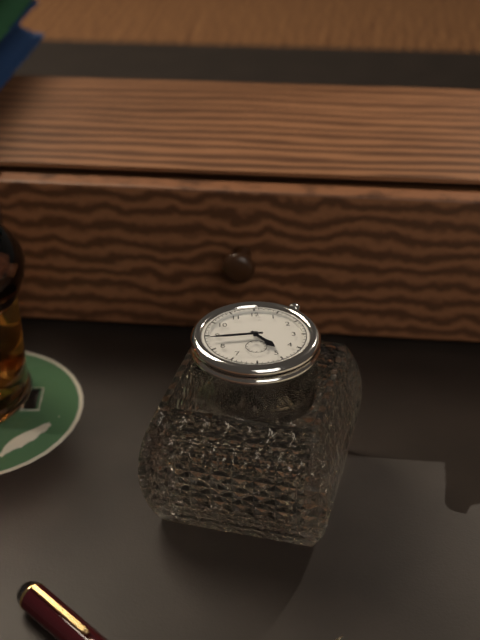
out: 4:44
